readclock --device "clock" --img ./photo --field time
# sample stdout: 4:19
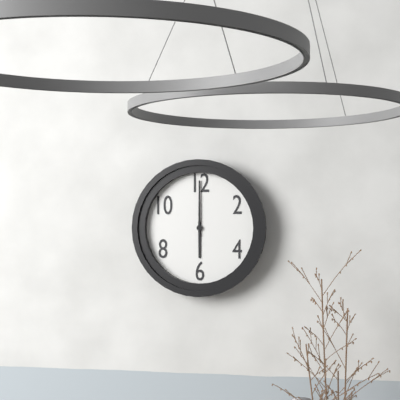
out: 6:00
